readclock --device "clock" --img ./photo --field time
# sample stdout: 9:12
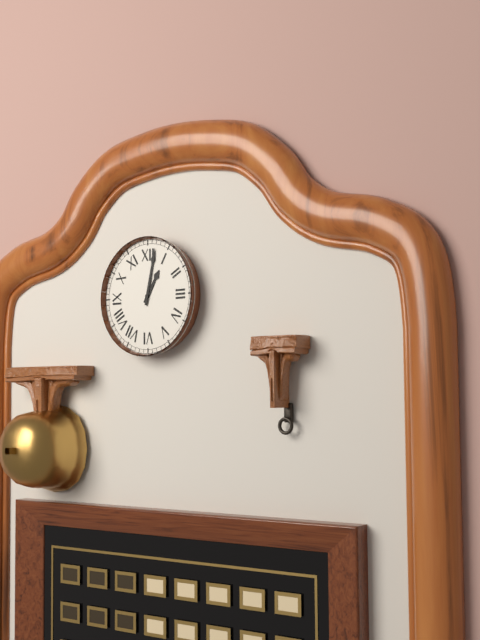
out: 1:02
